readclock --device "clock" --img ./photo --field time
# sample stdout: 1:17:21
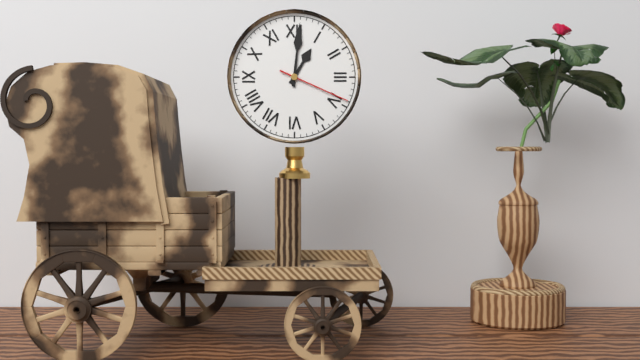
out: 1:01:19
